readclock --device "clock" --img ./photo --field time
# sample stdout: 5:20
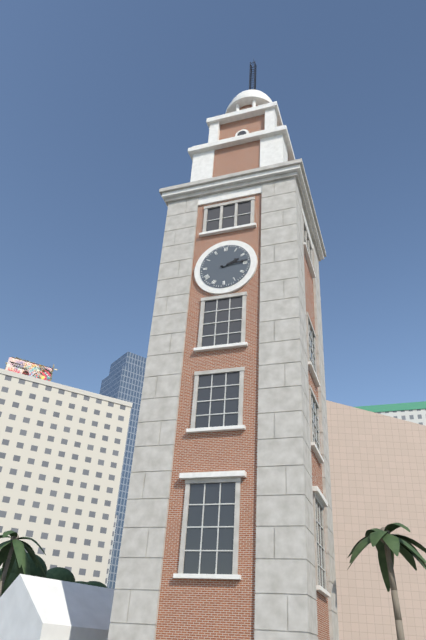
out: 2:14
